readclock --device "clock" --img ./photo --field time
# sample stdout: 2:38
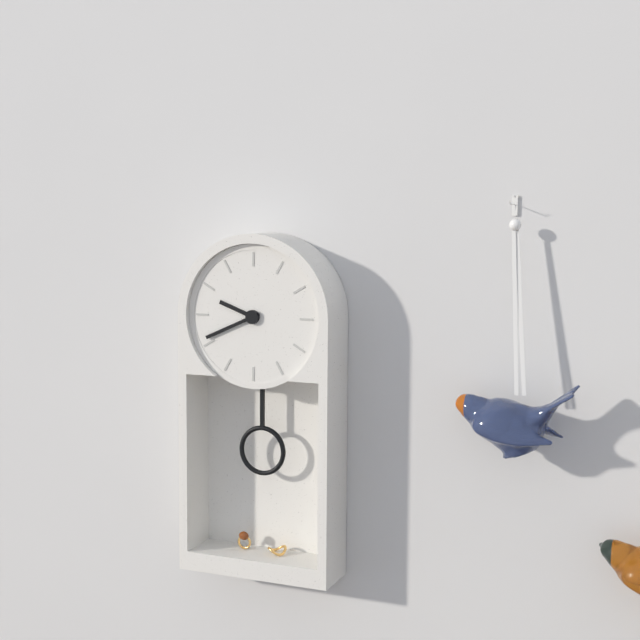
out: 9:41
